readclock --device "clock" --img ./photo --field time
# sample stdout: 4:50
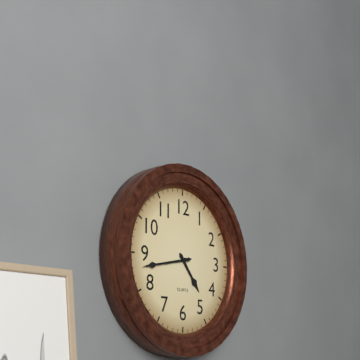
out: 4:43
